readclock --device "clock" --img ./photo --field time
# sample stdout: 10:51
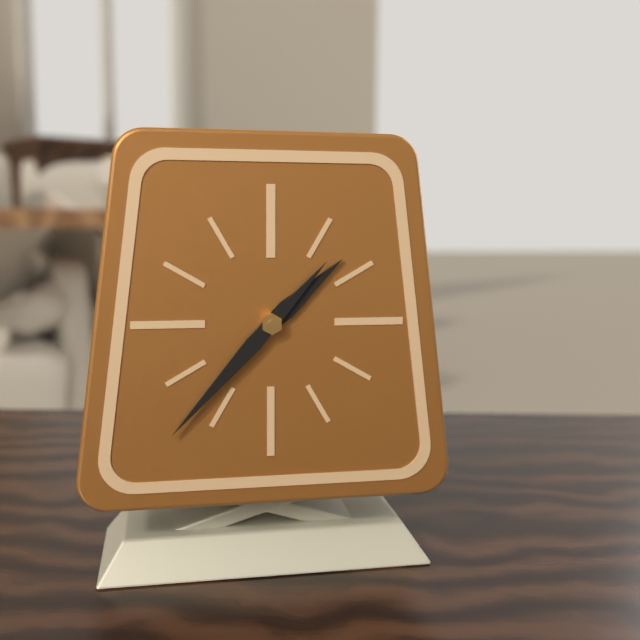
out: 1:37
